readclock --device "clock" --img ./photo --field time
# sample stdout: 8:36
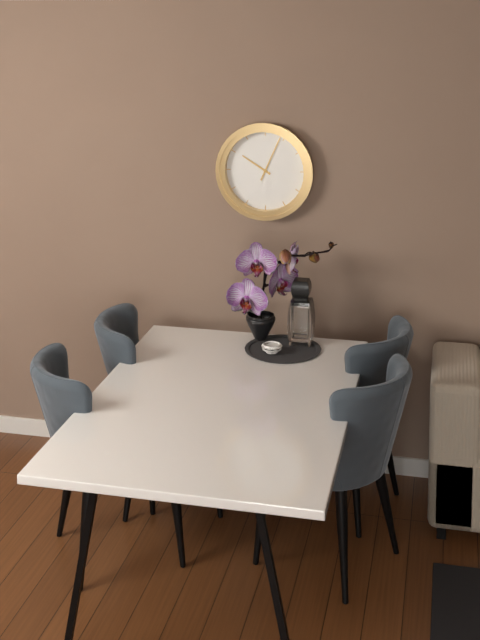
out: 10:04
